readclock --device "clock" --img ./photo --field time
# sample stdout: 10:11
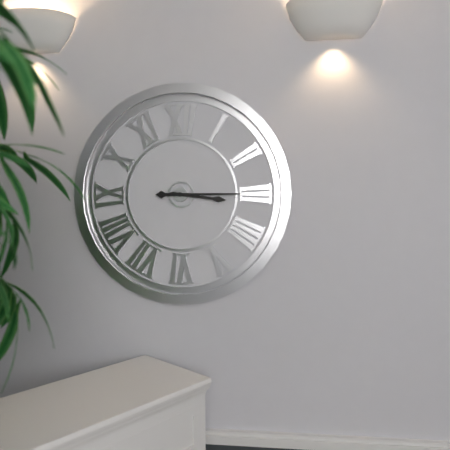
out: 3:15
